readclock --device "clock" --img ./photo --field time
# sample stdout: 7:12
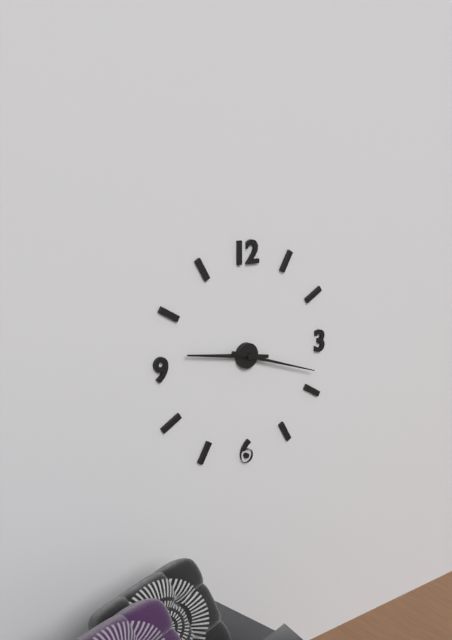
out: 9:18
